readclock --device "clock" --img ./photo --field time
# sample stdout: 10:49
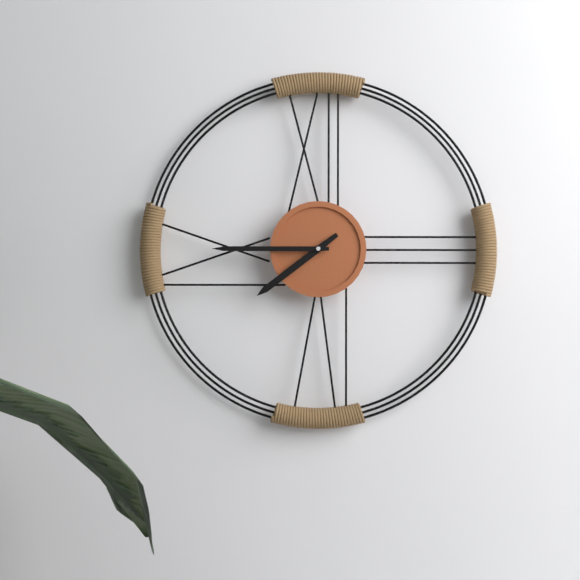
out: 7:45
